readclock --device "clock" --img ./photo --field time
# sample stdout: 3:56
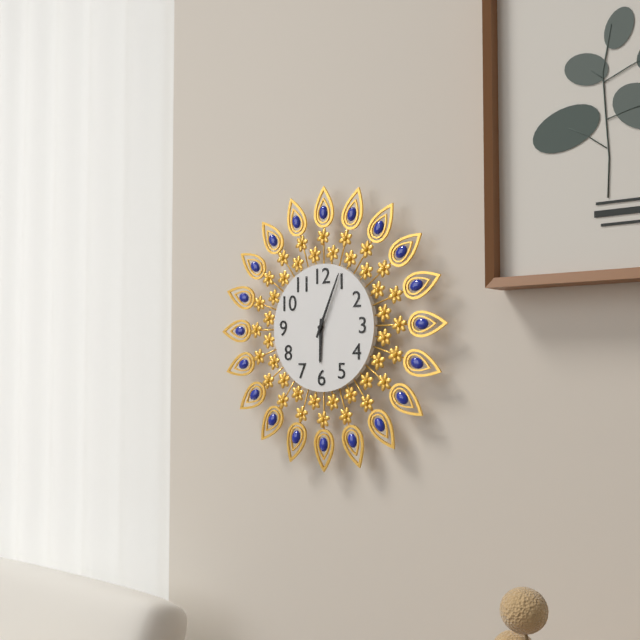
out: 6:04
